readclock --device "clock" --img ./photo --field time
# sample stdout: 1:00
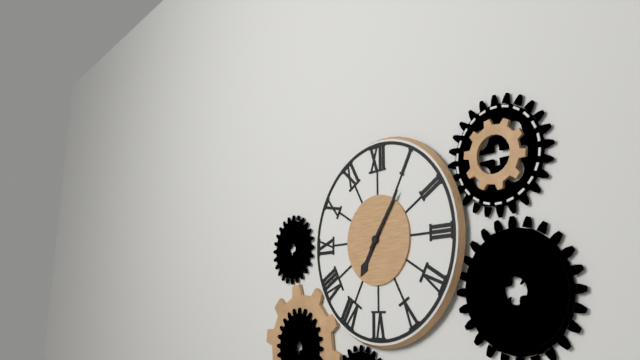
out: 7:06
